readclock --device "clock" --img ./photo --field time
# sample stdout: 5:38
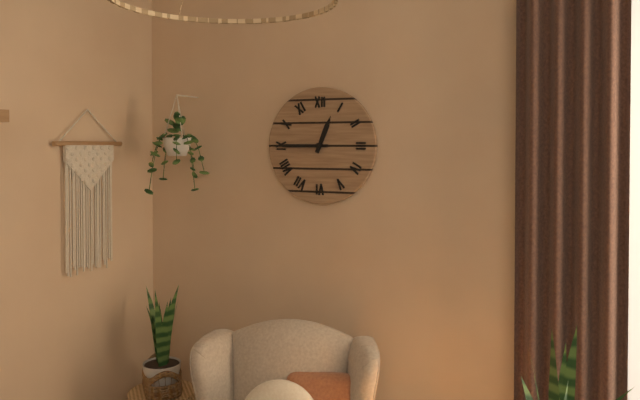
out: 12:45
